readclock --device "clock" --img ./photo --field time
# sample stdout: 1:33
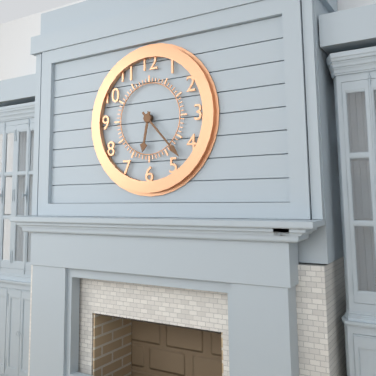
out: 6:23
